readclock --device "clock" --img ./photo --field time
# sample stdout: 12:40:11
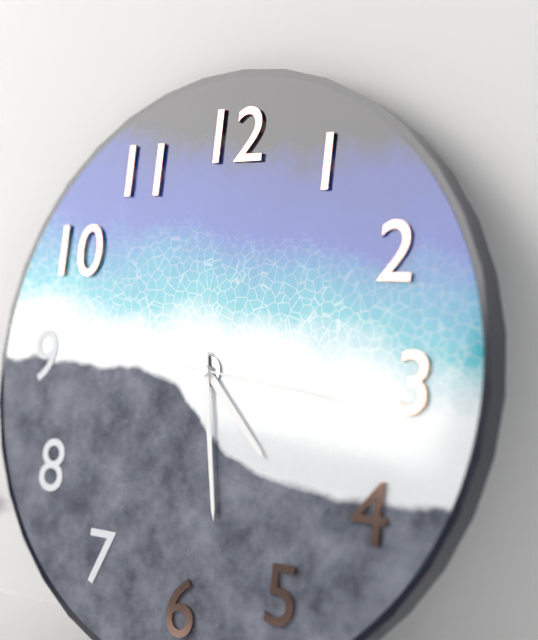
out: 4:28:16
